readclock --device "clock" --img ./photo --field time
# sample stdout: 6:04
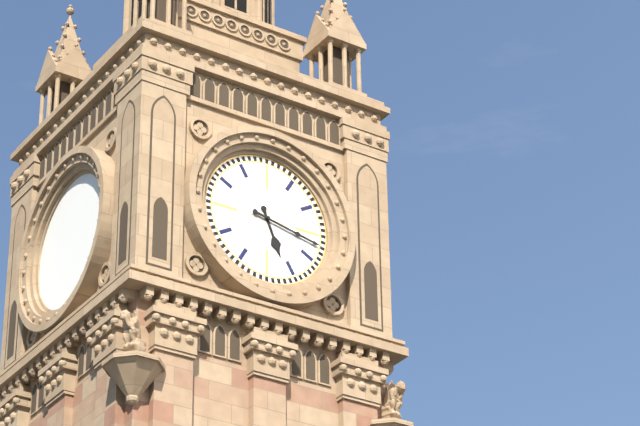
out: 5:17
